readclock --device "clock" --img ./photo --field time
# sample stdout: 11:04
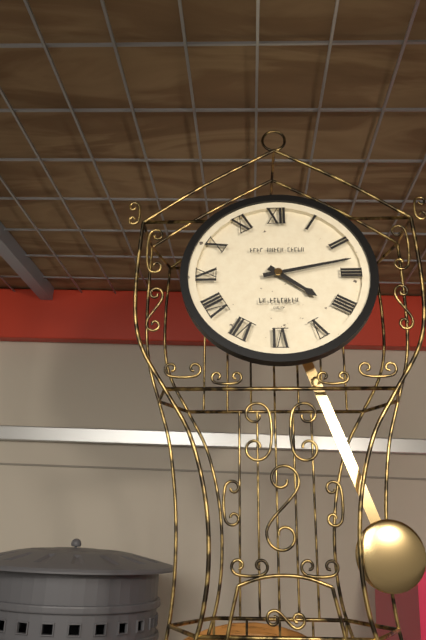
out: 4:13
